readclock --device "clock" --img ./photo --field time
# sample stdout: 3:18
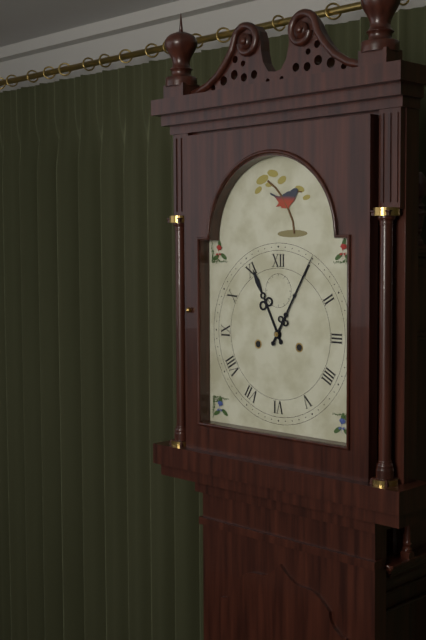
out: 11:05
